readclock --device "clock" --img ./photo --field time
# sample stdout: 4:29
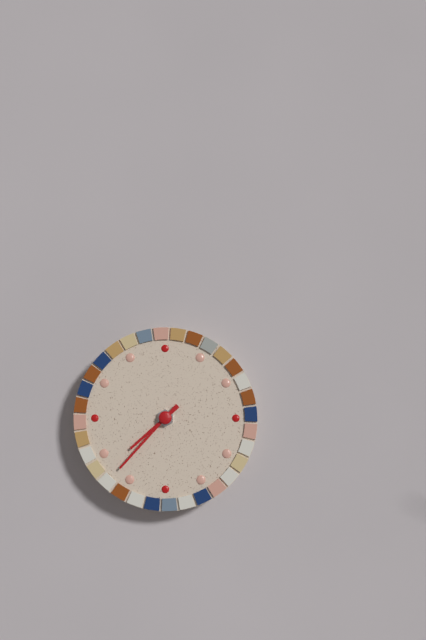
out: 7:37
